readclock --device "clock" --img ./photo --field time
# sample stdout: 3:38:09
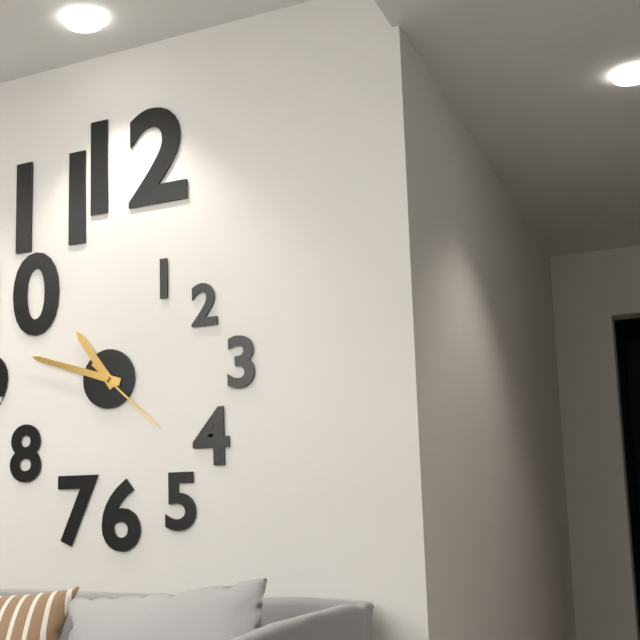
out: 10:48:22
